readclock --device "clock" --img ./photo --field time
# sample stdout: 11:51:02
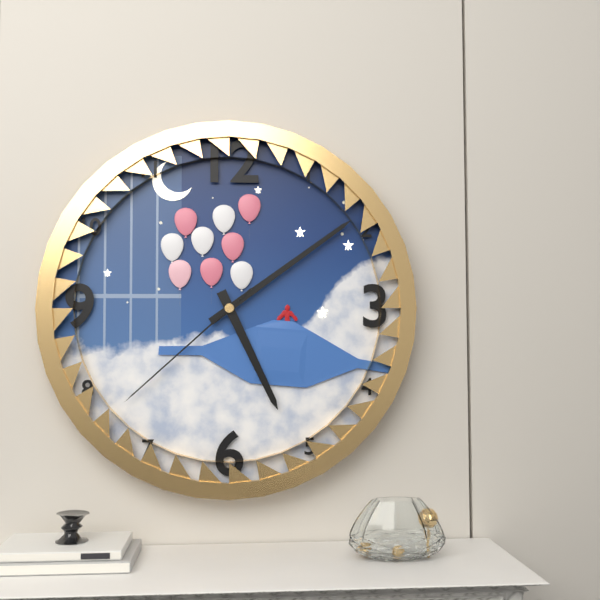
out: 5:09:38
